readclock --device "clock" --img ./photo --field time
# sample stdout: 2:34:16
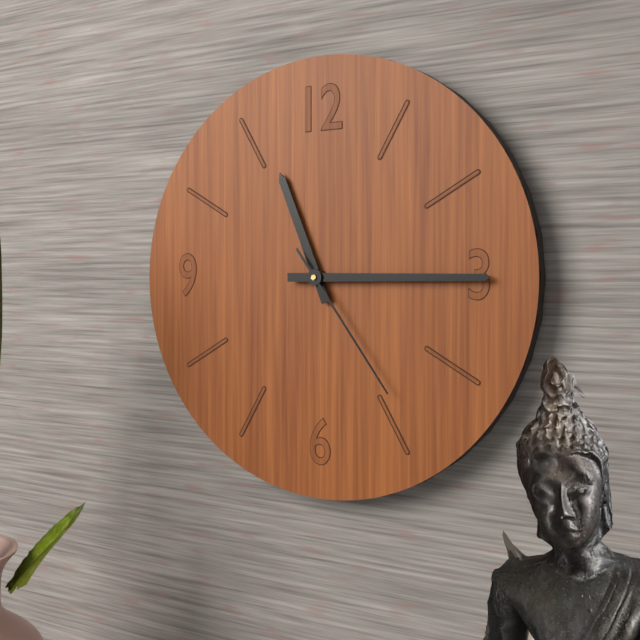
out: 11:15:24
